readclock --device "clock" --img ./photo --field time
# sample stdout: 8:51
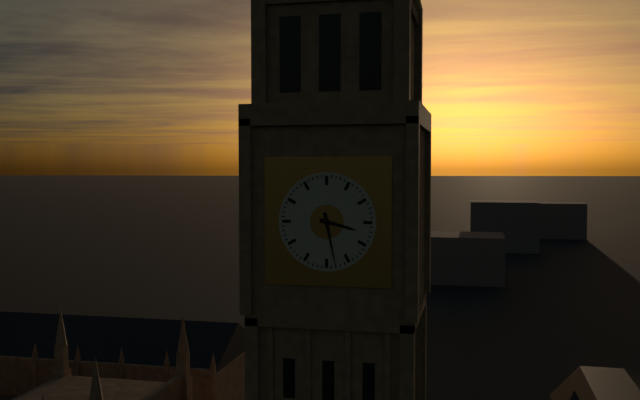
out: 3:28
